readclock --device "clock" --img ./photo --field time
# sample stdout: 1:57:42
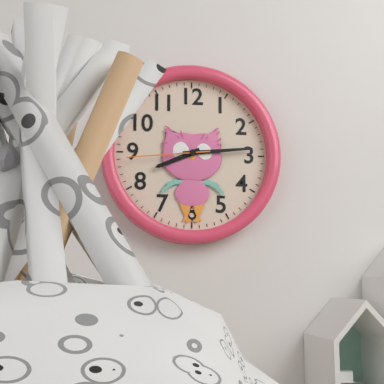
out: 8:14:44
